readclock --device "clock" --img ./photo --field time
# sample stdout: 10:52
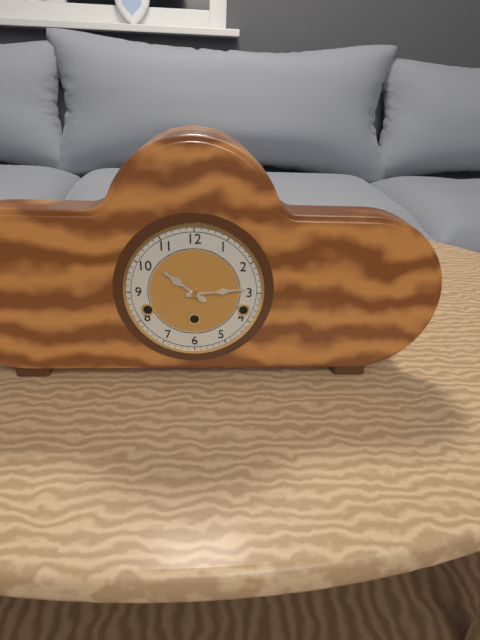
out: 10:14
